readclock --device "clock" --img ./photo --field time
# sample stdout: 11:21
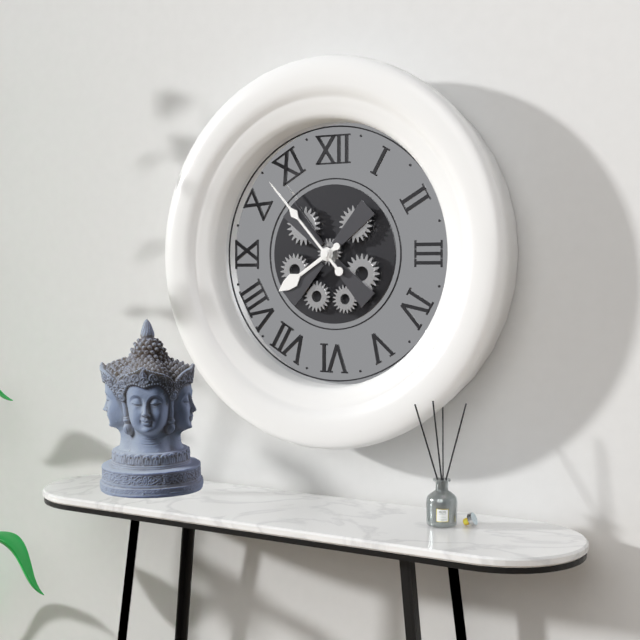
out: 7:53
